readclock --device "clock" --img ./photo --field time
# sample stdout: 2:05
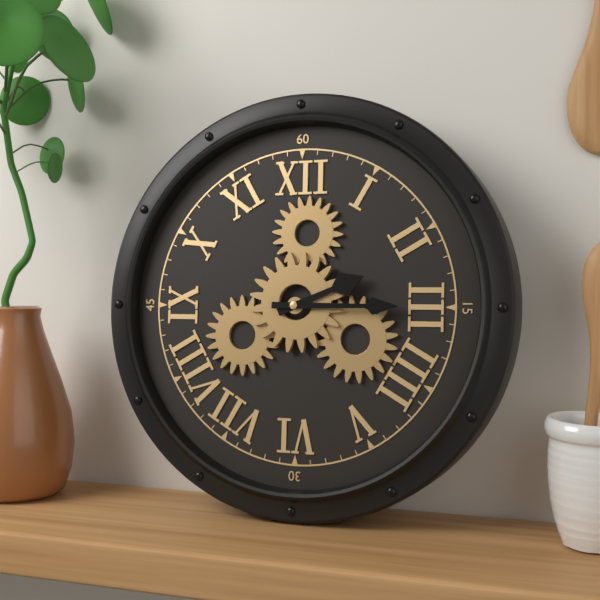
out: 2:15
